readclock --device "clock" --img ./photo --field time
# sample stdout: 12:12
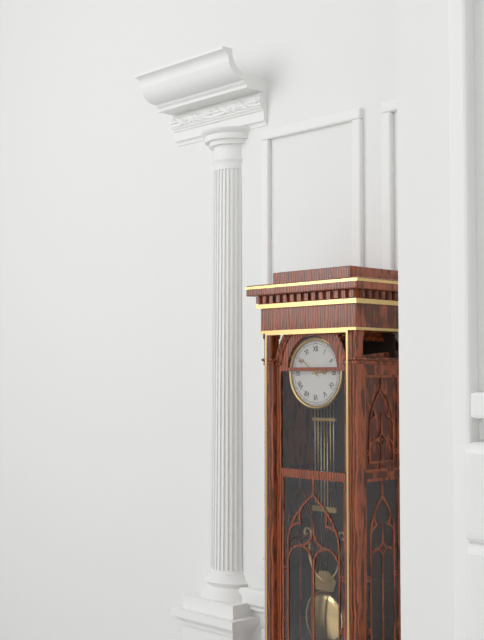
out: 2:51
